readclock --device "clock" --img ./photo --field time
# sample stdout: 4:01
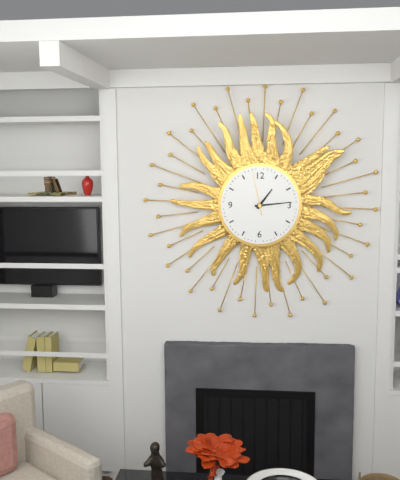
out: 1:14
